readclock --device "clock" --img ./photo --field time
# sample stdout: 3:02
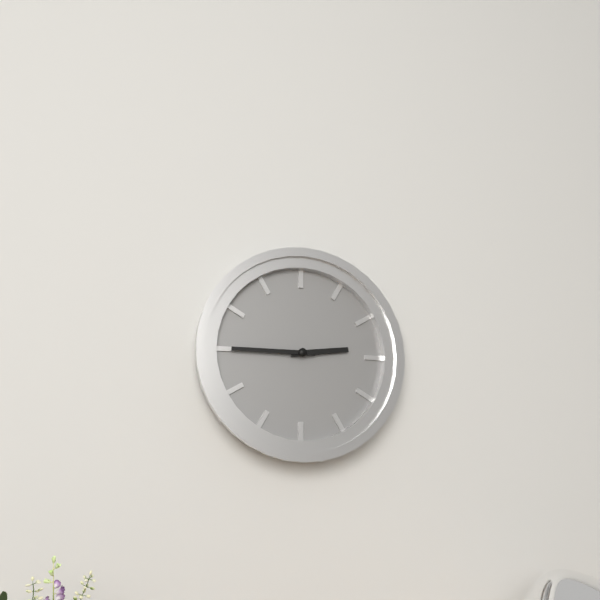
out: 2:45
